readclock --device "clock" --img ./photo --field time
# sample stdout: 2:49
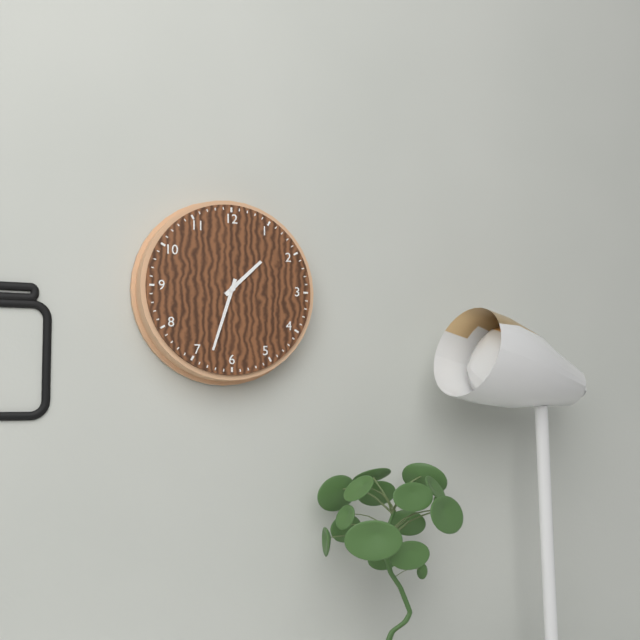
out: 1:33
